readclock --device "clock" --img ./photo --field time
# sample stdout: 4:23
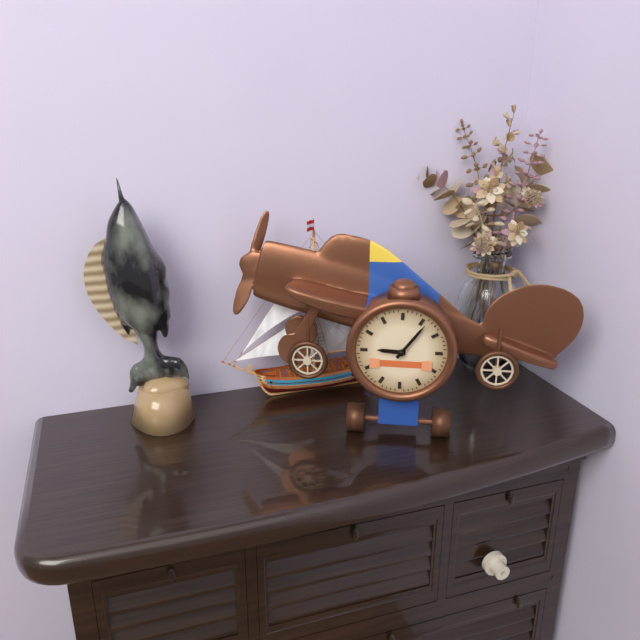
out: 9:06
